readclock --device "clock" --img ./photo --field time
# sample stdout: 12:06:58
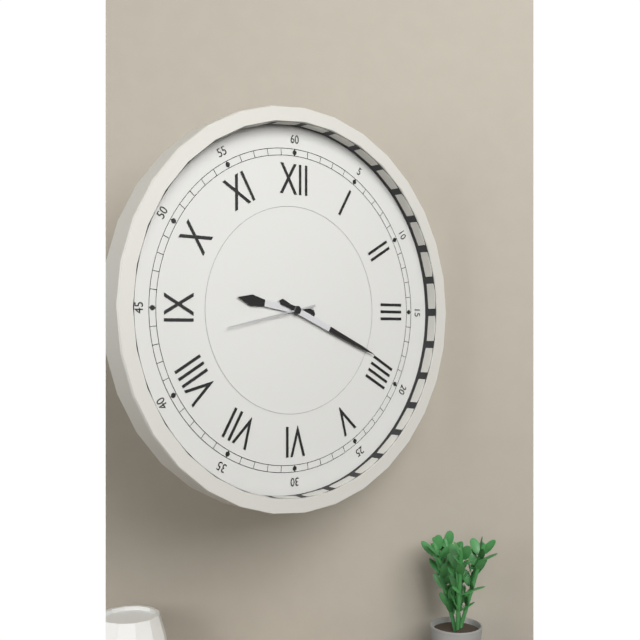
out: 9:19:43
